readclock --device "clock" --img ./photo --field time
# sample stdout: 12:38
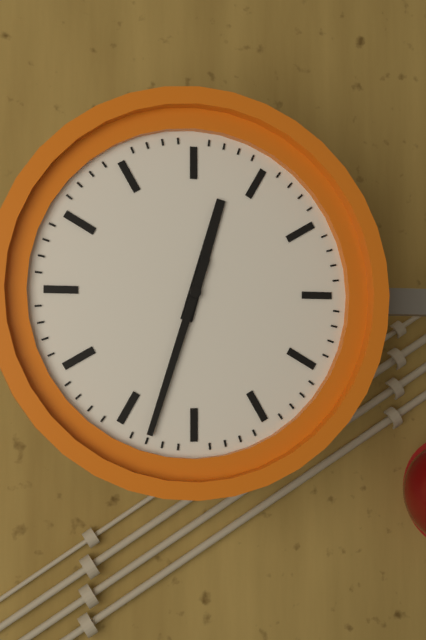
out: 12:33
